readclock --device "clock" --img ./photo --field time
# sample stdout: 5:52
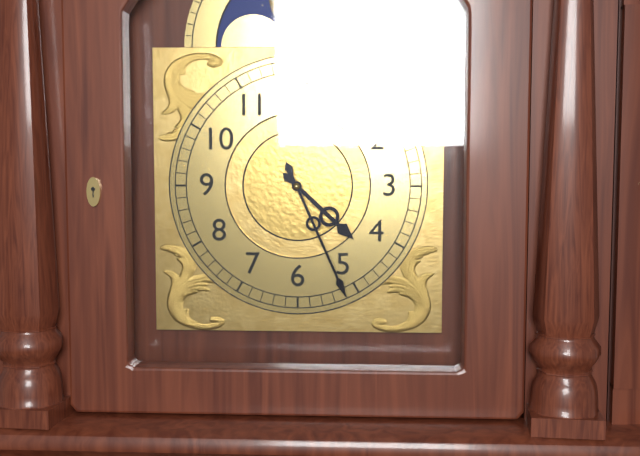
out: 4:26
